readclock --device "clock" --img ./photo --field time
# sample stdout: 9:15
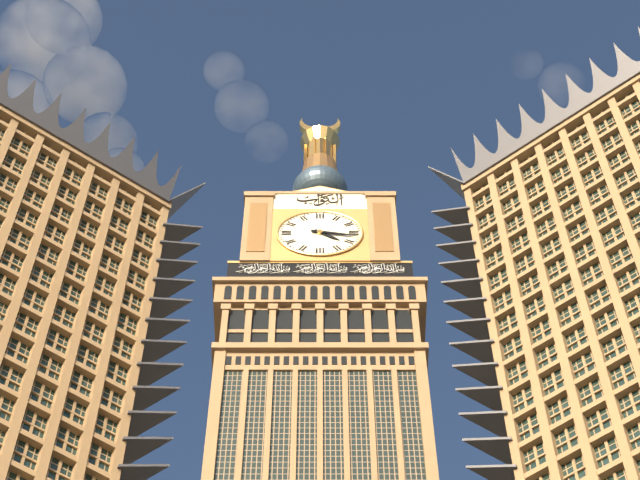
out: 4:17
